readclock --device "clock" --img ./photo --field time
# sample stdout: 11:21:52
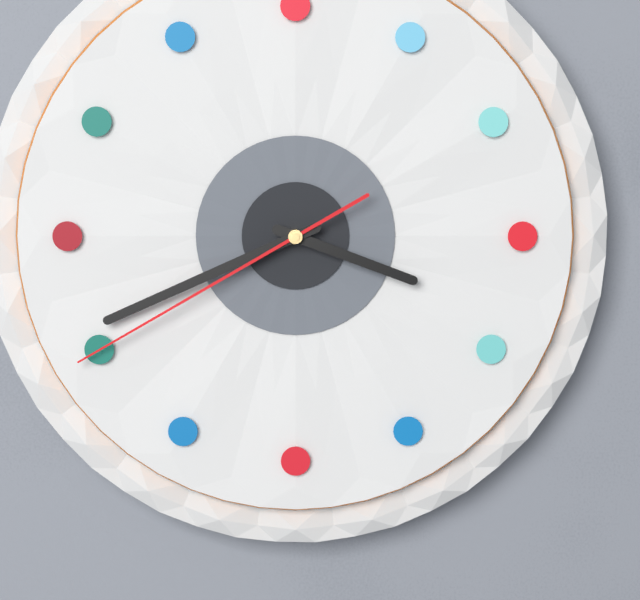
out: 3:41:40
